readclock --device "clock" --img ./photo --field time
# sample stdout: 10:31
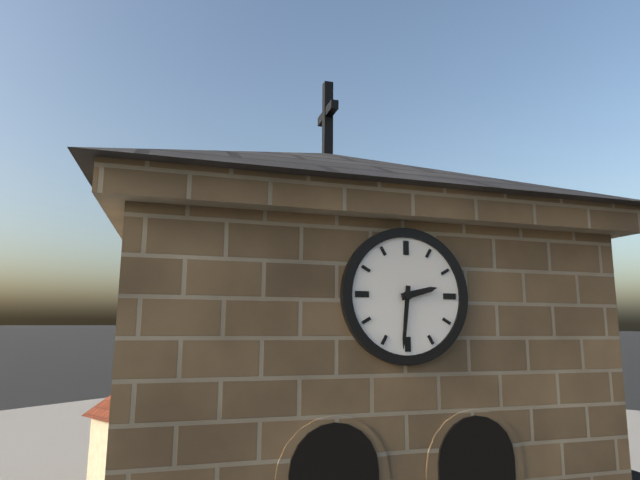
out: 2:31
